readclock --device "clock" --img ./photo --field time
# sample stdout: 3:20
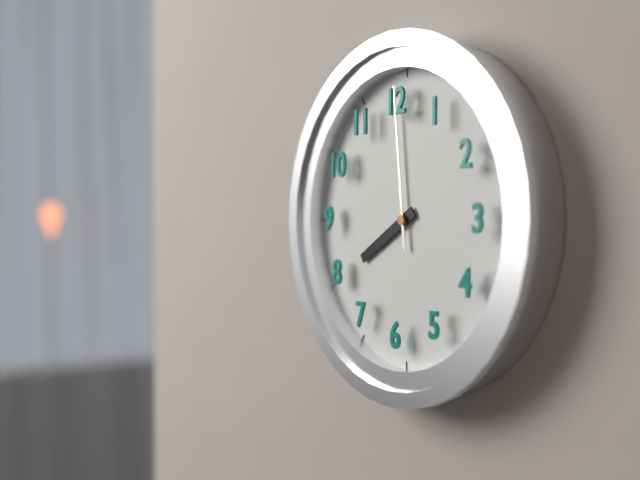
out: 7:59
